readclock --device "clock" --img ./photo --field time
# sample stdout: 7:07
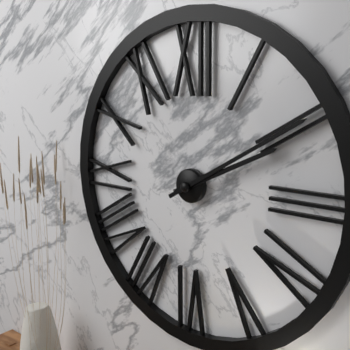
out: 2:10
